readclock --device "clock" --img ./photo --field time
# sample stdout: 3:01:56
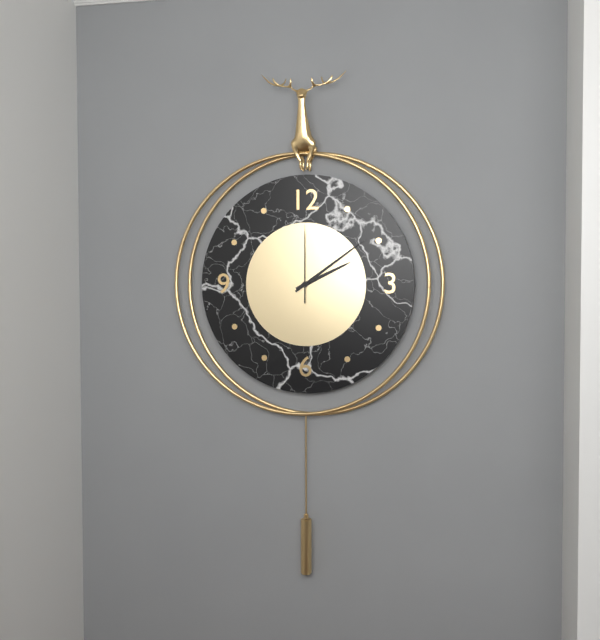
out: 2:09:00
